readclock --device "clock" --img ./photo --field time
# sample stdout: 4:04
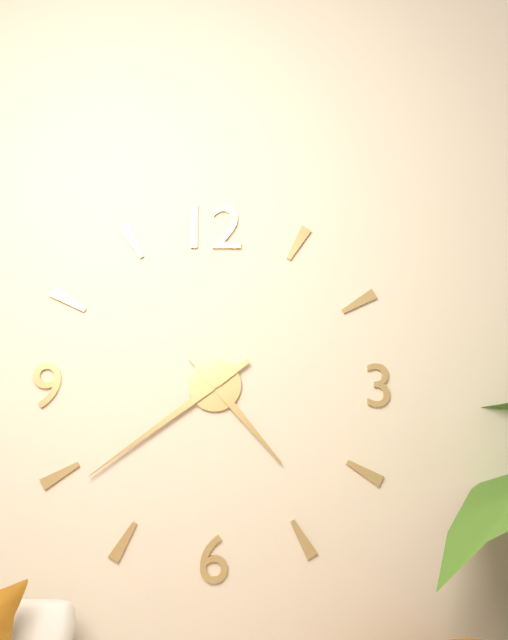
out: 4:39
